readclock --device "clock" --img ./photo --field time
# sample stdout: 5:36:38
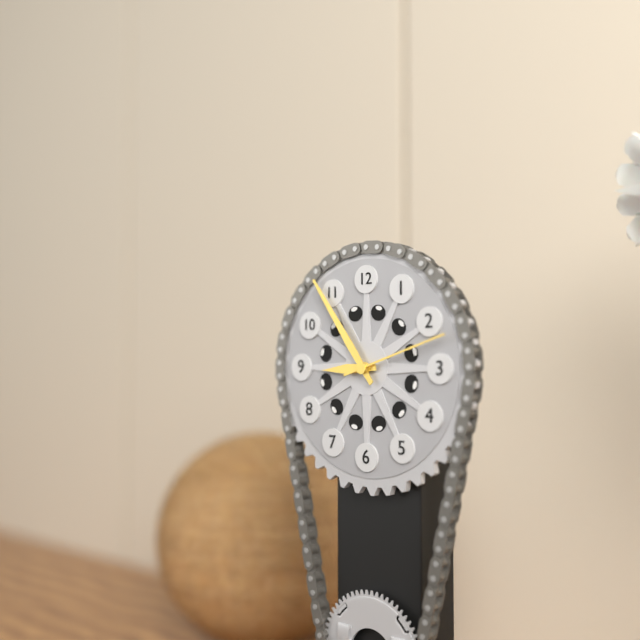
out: 8:54:12
